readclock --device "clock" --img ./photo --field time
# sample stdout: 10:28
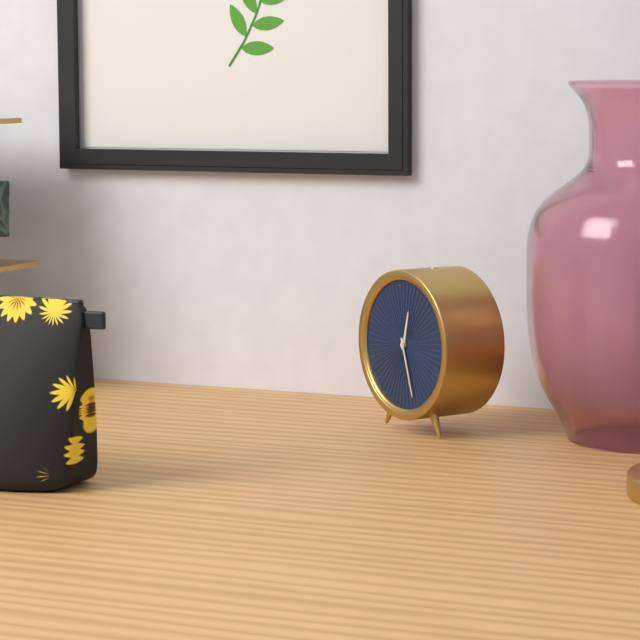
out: 12:27
